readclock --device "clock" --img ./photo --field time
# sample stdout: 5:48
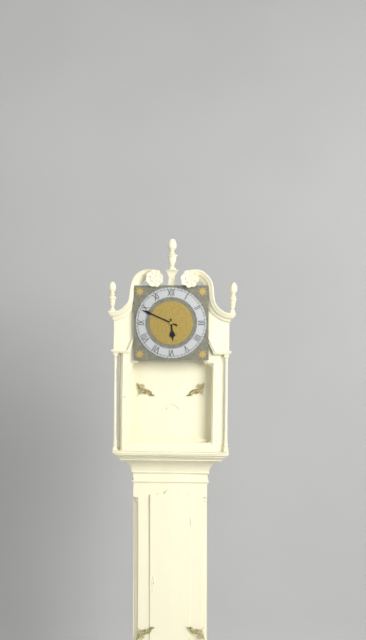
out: 5:49
